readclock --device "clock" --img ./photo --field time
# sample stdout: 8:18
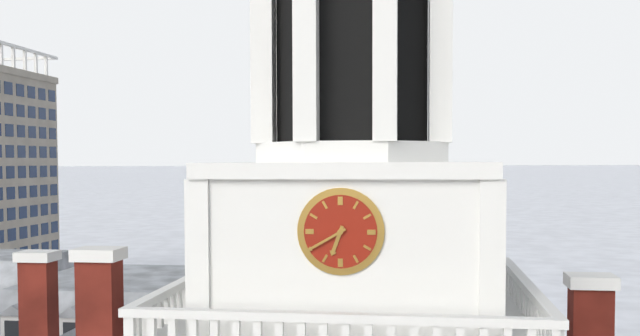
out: 6:40
